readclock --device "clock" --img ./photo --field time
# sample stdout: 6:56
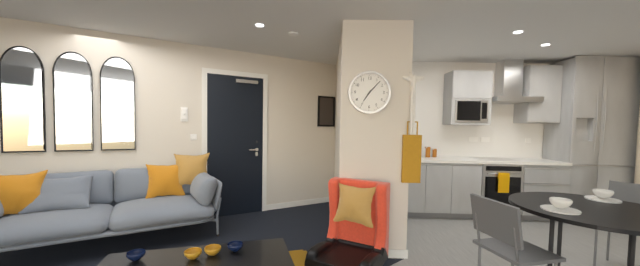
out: 7:07
